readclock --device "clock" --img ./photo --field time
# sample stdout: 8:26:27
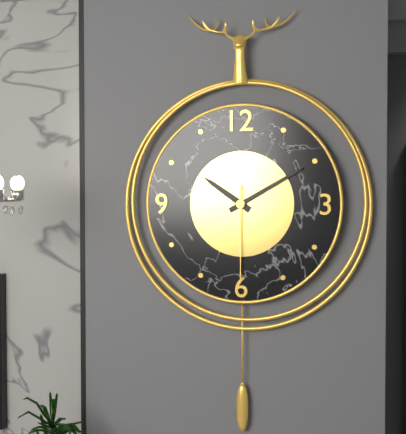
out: 10:10:30
